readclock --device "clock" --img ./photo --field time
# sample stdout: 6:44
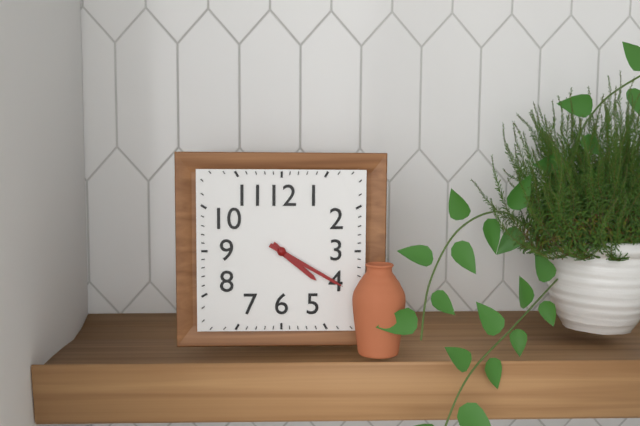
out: 4:20
